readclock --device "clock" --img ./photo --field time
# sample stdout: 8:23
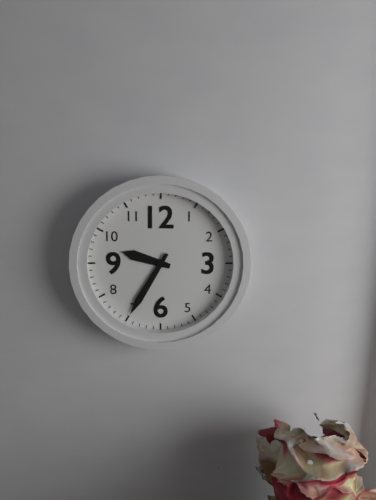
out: 9:35
